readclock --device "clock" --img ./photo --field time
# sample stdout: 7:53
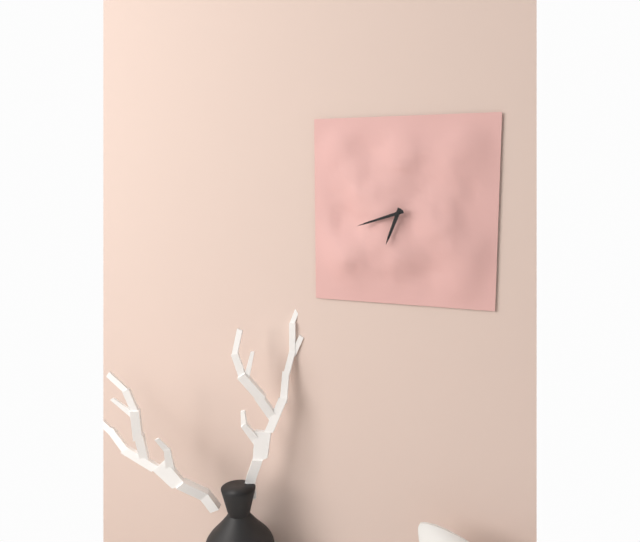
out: 6:42
